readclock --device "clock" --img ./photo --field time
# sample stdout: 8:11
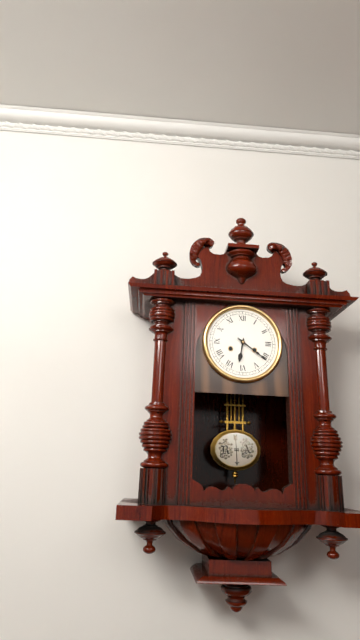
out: 6:21
